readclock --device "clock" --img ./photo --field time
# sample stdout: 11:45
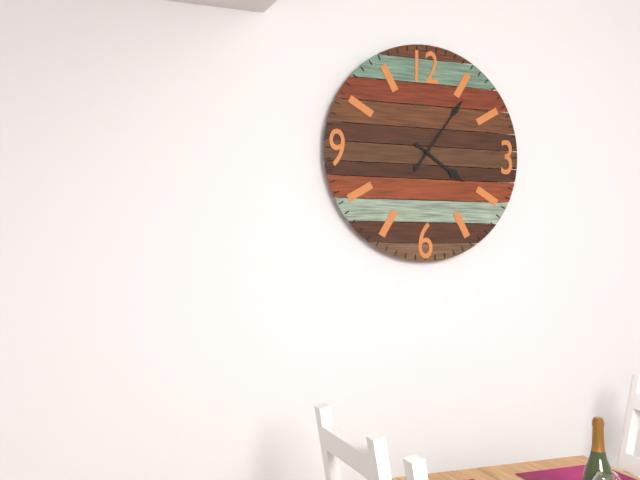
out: 4:06
